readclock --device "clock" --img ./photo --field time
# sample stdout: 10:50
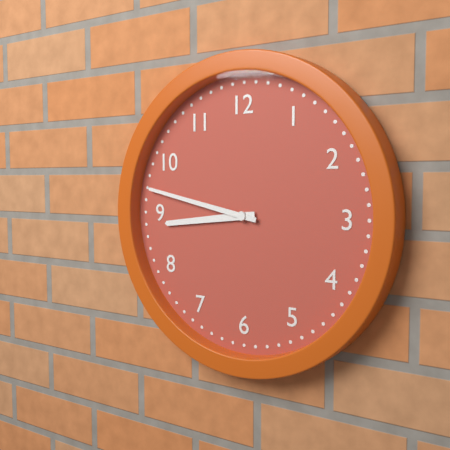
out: 8:47
